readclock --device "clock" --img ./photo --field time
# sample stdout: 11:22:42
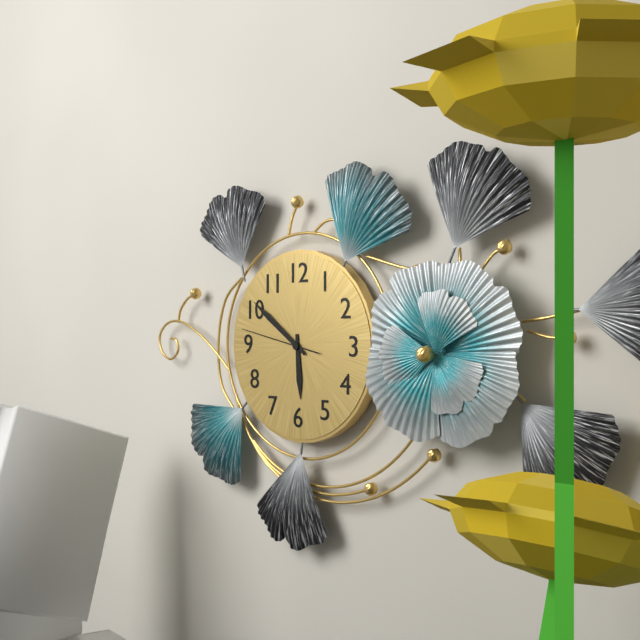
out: 5:51:47
